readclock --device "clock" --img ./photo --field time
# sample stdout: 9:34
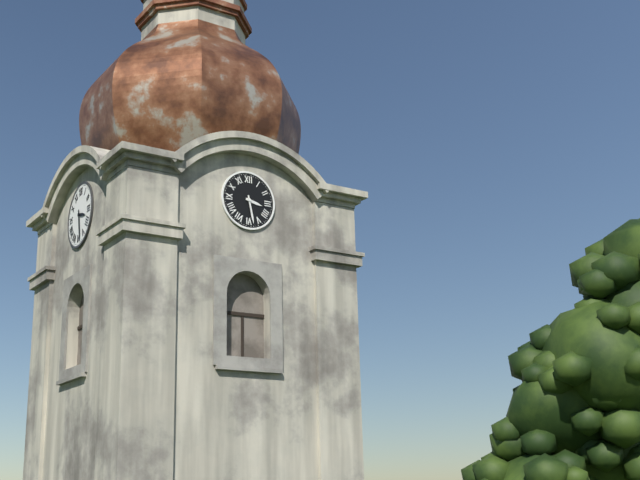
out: 3:28
